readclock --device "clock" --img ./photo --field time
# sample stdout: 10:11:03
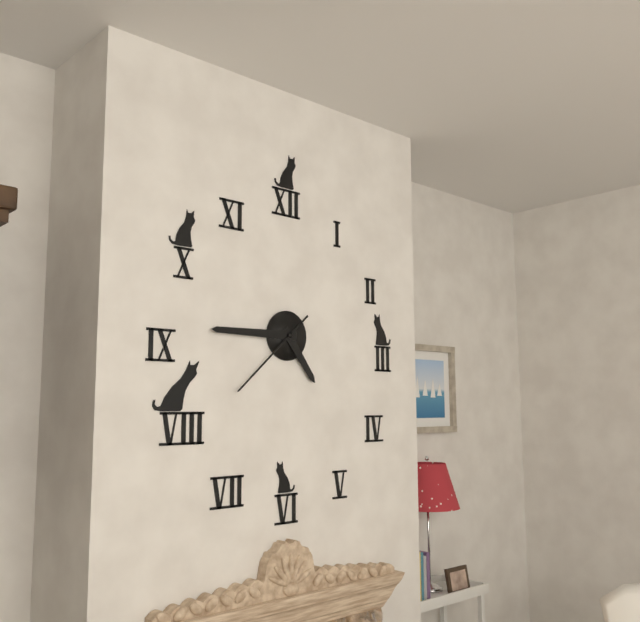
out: 4:45:38
